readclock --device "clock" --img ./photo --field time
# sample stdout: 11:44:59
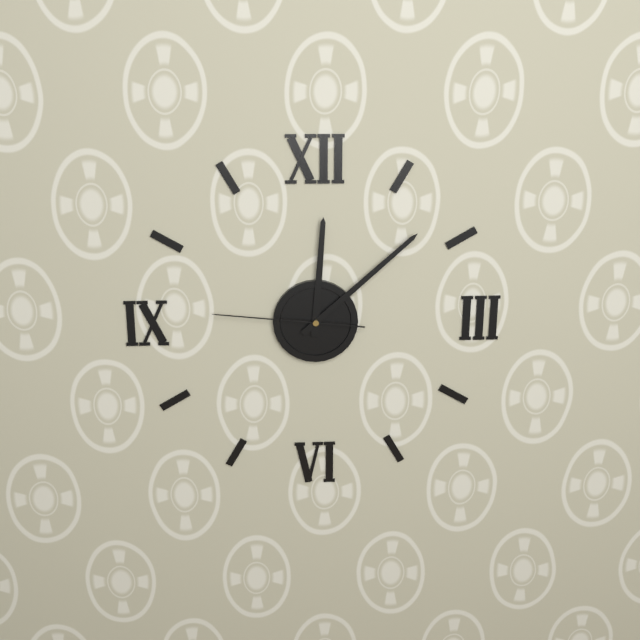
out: 12:08:46
